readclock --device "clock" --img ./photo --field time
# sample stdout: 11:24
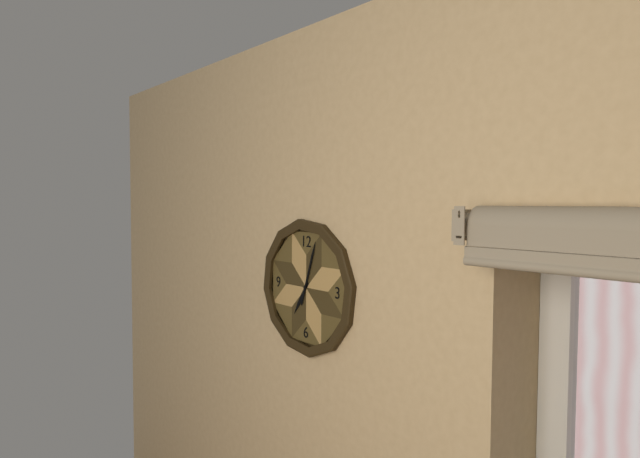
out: 7:03
